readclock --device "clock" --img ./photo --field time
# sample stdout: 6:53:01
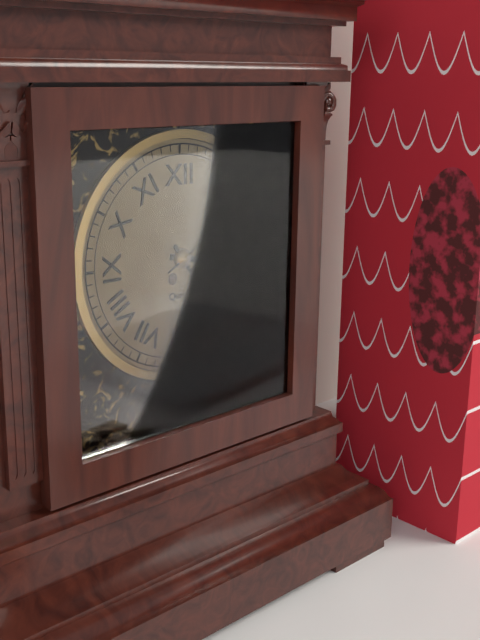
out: 3:24:10
